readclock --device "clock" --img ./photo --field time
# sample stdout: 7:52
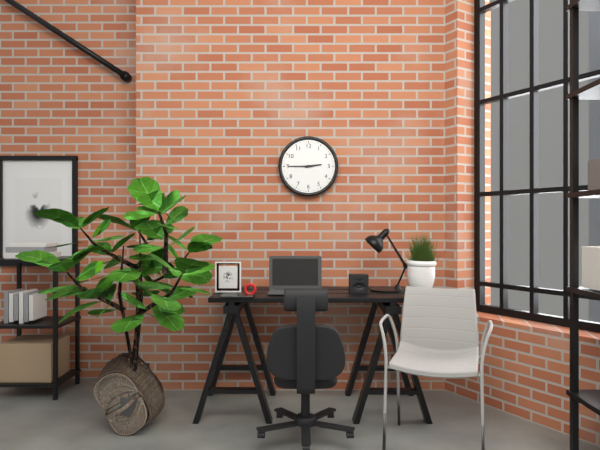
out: 2:45
